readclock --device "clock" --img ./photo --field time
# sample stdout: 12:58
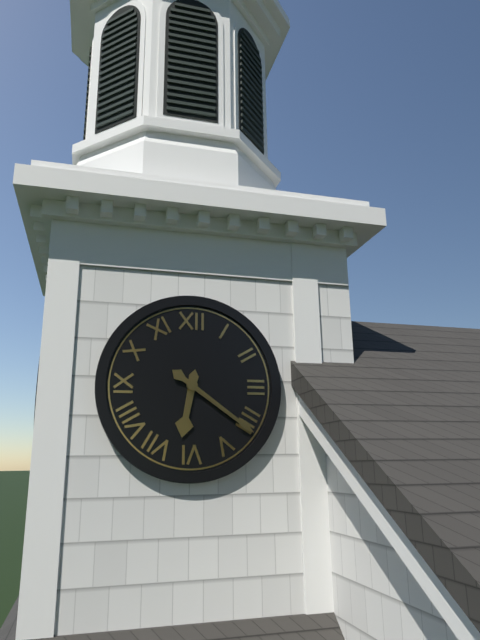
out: 6:21
